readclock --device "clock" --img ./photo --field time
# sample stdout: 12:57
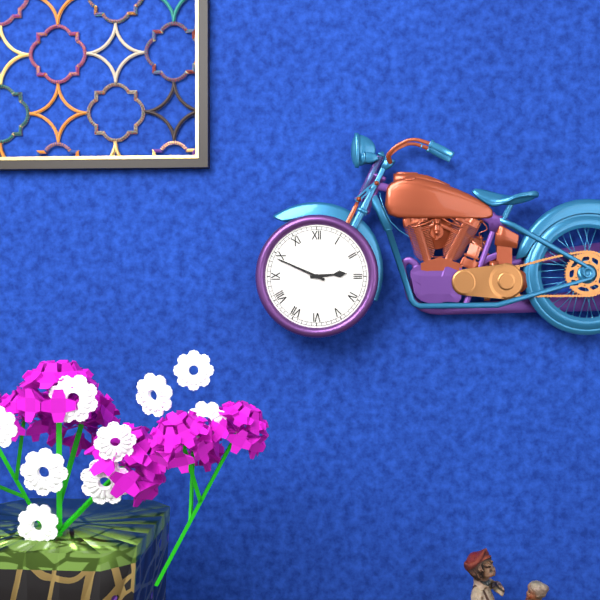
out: 2:49
